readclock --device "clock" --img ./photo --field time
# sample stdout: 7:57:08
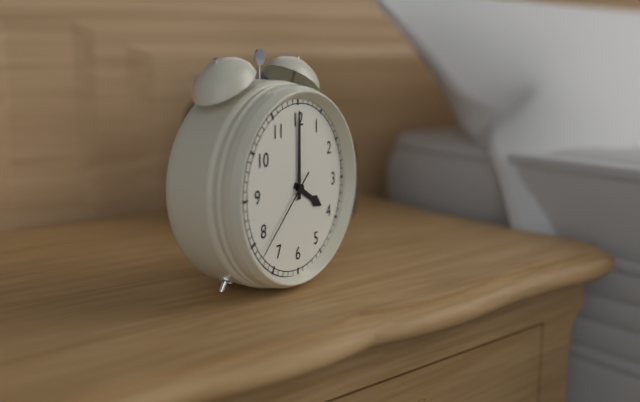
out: 4:00:38
